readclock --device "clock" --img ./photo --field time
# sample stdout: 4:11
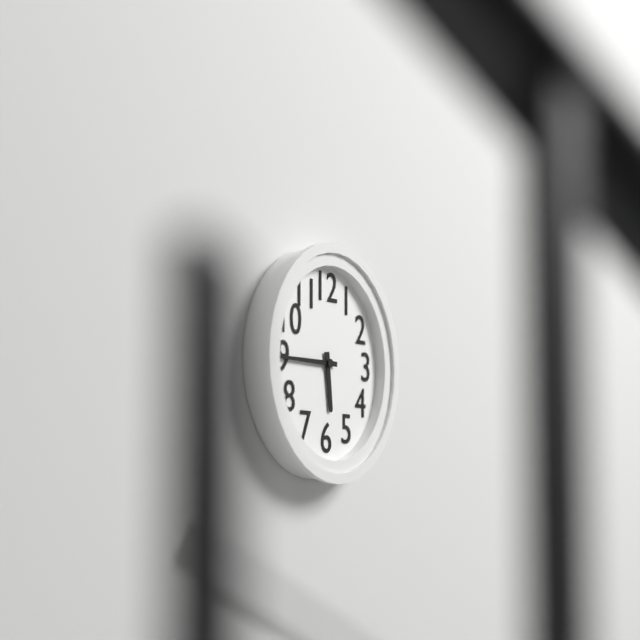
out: 5:45
